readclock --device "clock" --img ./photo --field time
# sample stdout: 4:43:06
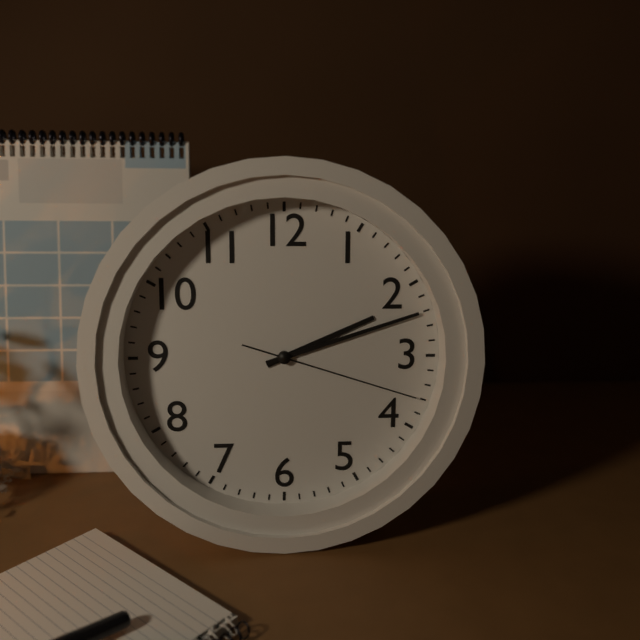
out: 2:12:18
